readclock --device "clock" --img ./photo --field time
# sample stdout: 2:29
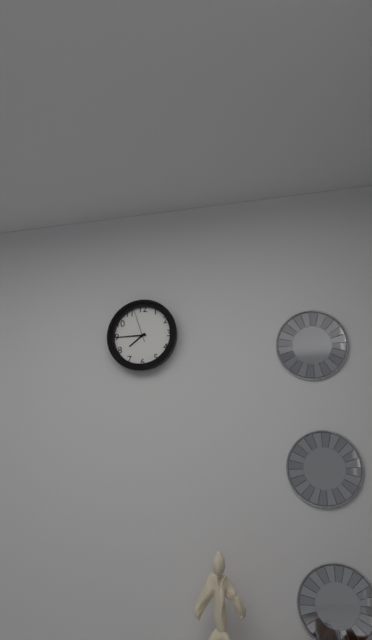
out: 7:45
